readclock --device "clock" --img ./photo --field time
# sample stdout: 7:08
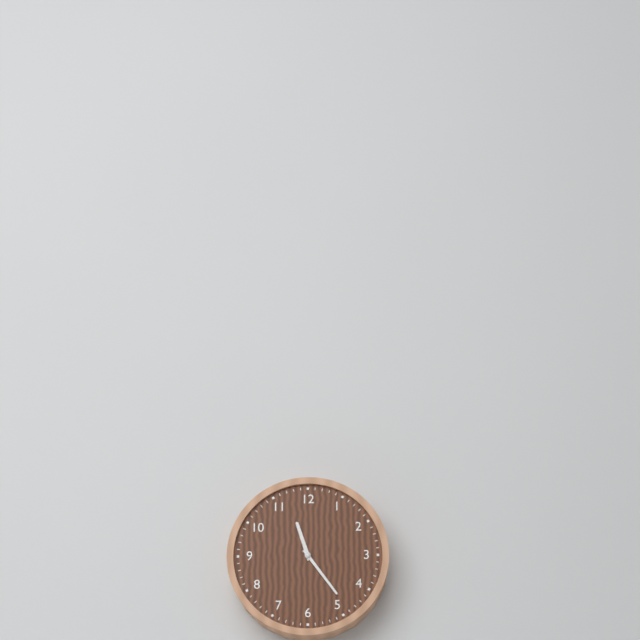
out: 11:24
